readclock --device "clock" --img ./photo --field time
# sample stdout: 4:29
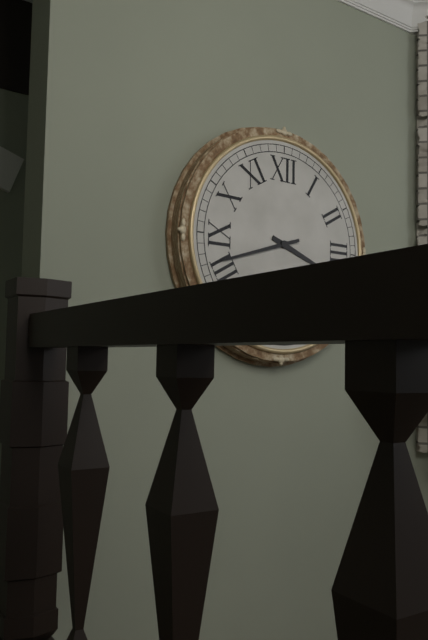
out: 3:42
